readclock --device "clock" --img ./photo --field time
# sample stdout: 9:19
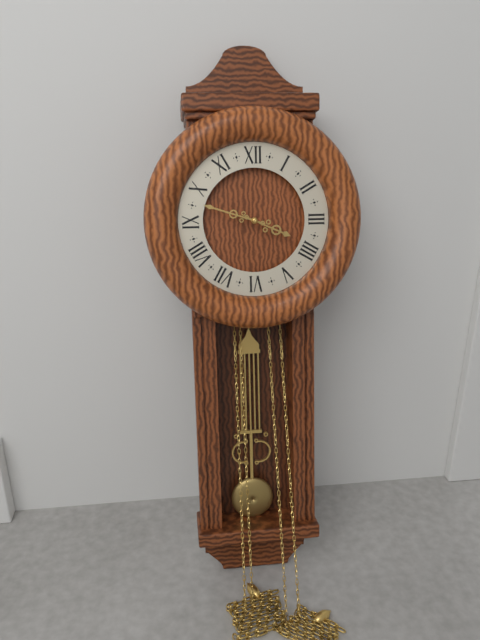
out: 3:48
